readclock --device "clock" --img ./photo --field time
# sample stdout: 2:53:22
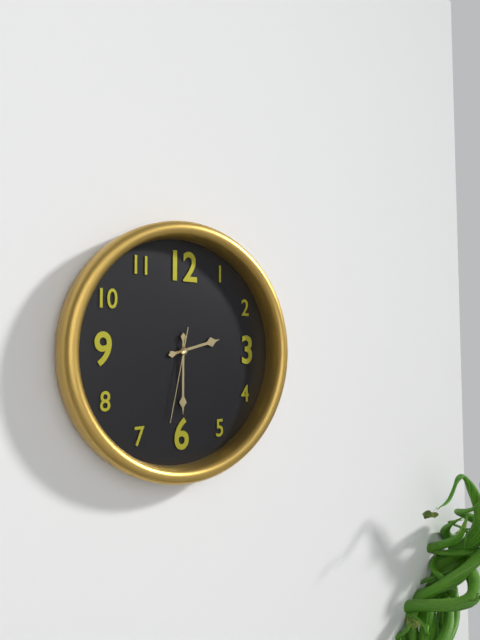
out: 2:30:32
